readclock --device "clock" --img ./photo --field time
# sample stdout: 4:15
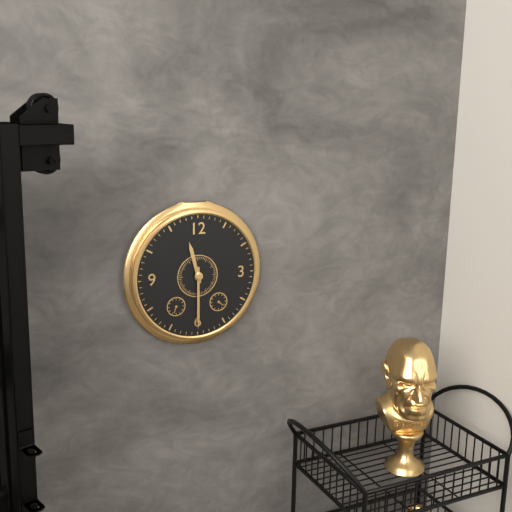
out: 11:30
